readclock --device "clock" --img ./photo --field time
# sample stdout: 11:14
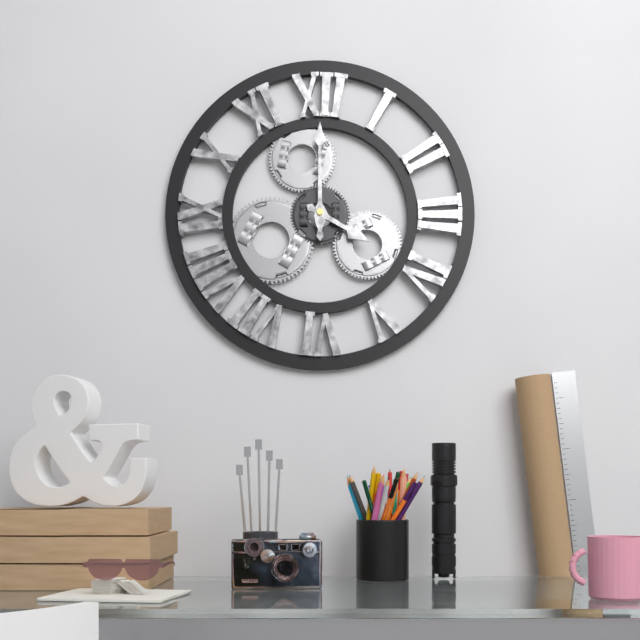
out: 4:00
